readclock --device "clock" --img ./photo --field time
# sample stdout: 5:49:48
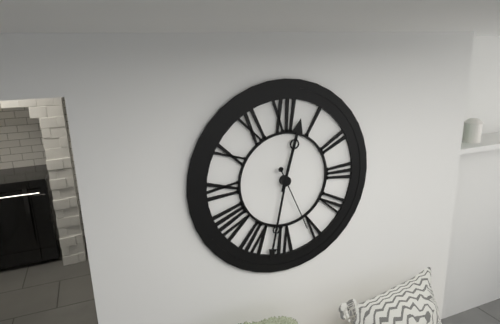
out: 12:32:26
